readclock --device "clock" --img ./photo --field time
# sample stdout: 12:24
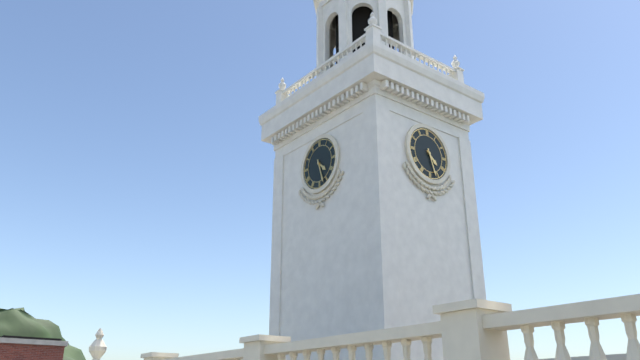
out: 4:27
